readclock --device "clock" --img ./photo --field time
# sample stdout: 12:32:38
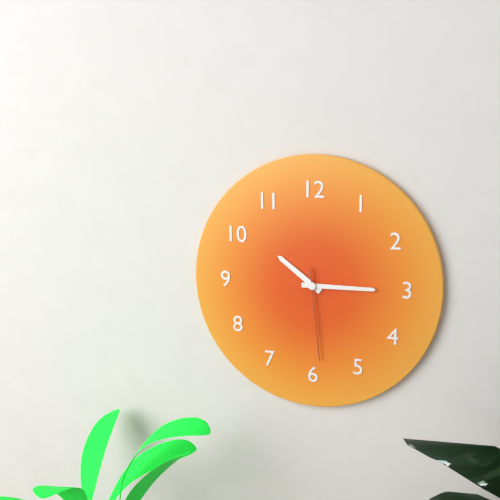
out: 10:15:29
